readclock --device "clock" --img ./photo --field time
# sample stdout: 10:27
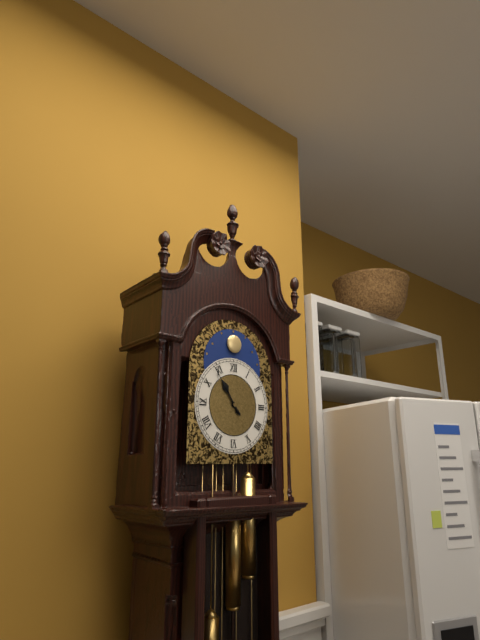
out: 10:54
